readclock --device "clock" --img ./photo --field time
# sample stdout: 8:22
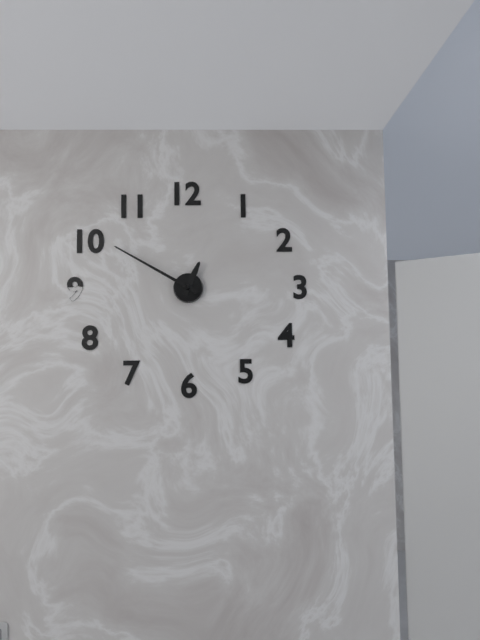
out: 12:50
